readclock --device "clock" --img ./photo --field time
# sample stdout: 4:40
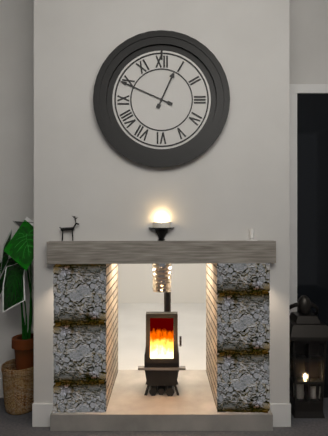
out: 12:49
